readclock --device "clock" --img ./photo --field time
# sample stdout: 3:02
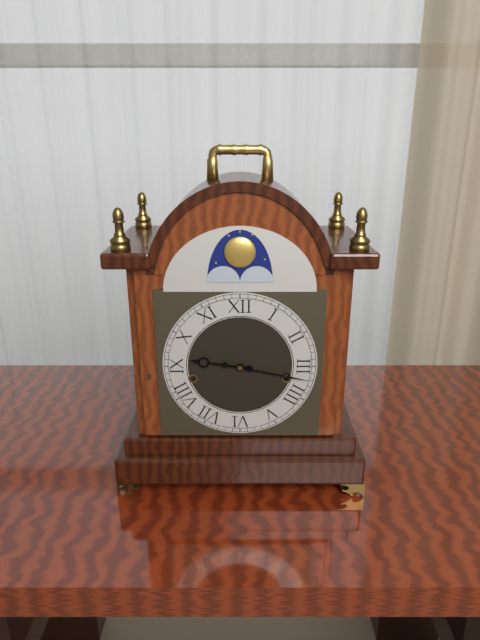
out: 9:17
